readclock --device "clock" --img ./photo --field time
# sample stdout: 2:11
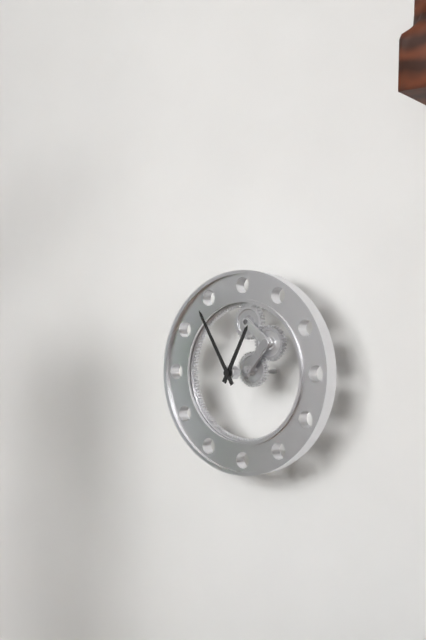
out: 12:55
